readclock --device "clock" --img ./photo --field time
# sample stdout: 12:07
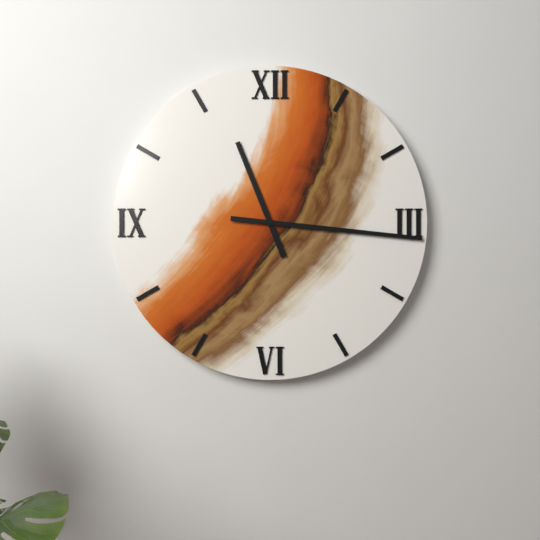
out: 11:16
